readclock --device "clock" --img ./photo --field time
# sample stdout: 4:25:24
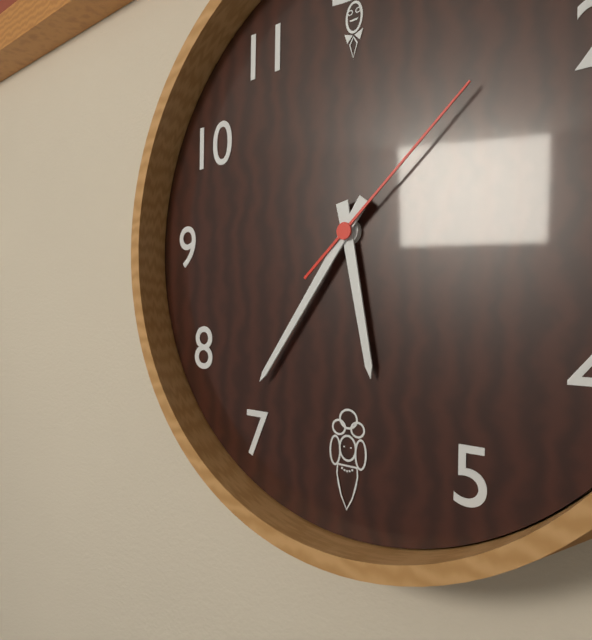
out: 5:36:08
